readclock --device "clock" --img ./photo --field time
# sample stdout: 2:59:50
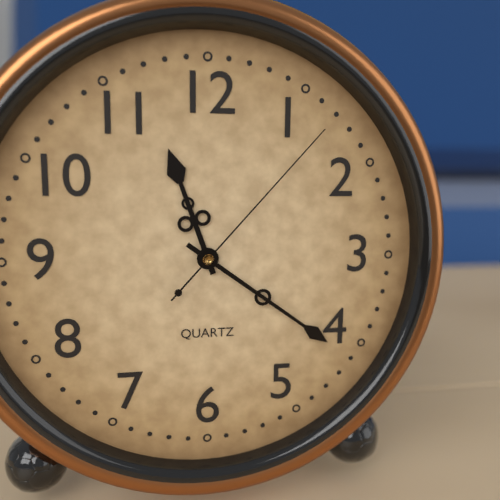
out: 11:21:07
